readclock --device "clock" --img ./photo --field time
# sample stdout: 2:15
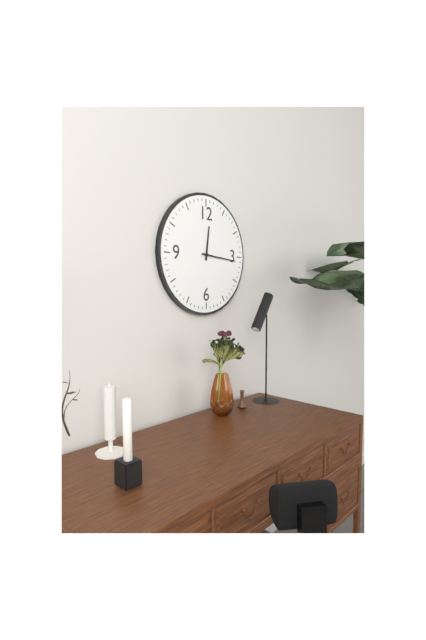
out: 12:16
